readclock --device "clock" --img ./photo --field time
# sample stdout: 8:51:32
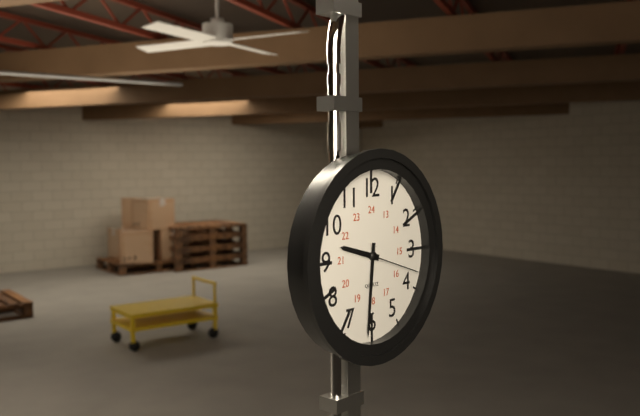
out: 9:31:18
